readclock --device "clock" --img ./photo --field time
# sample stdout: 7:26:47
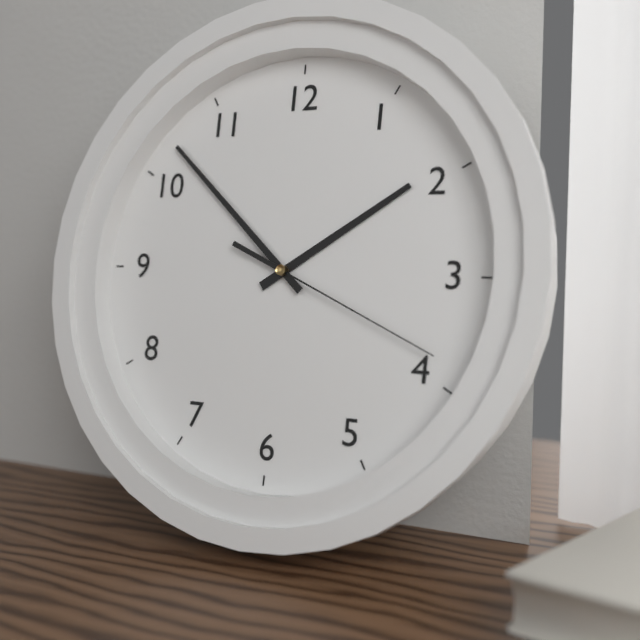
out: 1:52:19
